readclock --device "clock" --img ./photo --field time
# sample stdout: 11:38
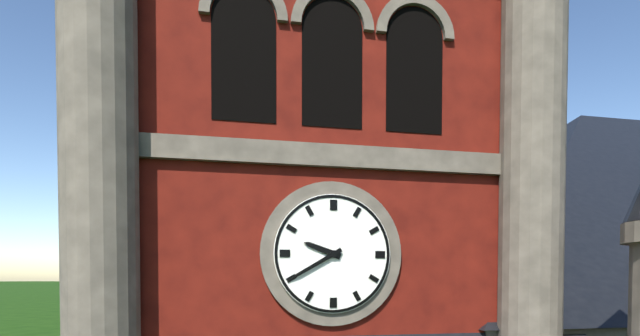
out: 9:40
